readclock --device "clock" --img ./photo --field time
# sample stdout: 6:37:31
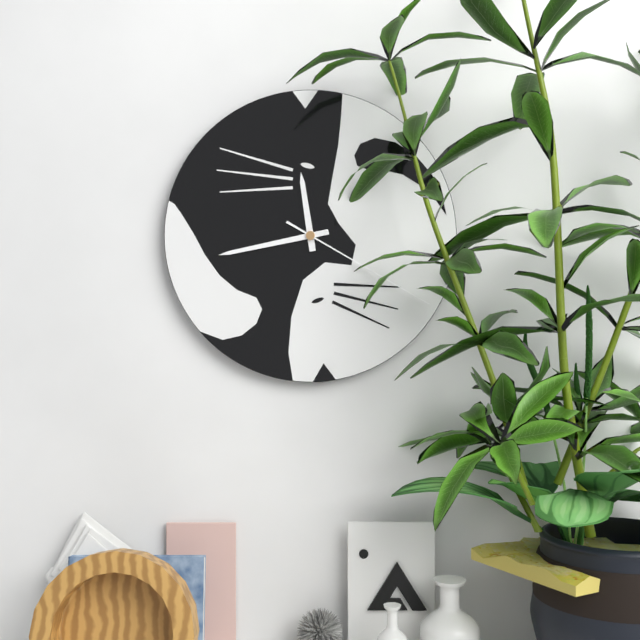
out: 11:43:20
